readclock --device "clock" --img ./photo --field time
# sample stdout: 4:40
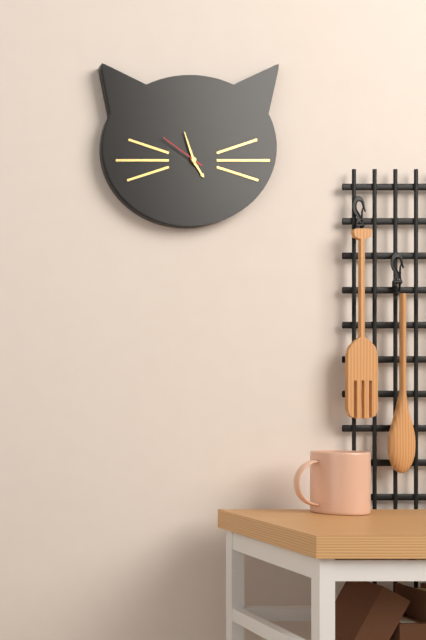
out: 4:57
